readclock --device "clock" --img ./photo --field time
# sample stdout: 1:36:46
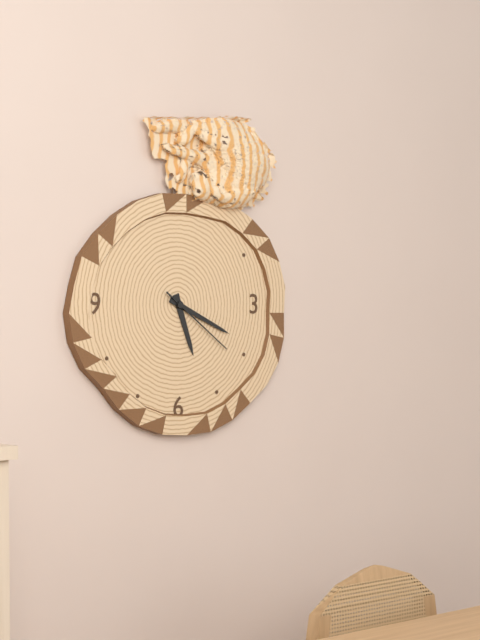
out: 5:19:21
